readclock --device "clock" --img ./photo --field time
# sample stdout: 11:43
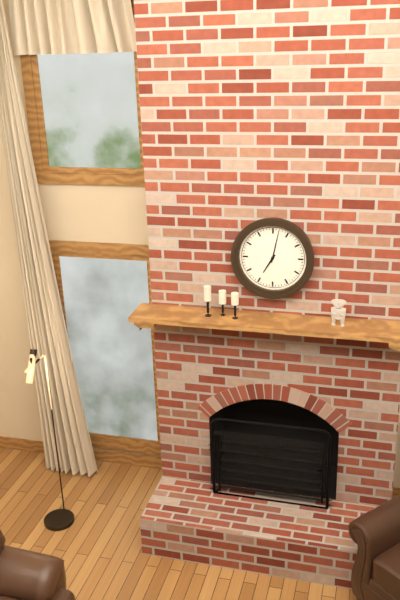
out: 7:02
